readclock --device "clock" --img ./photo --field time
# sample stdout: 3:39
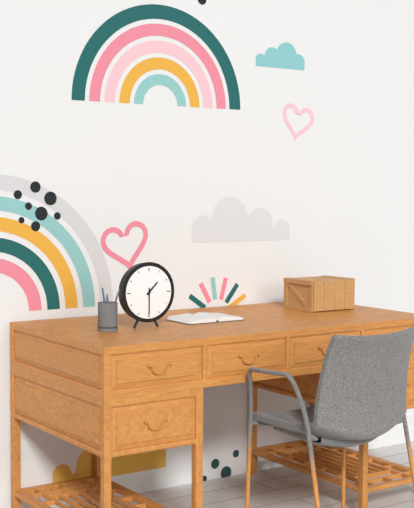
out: 1:30
